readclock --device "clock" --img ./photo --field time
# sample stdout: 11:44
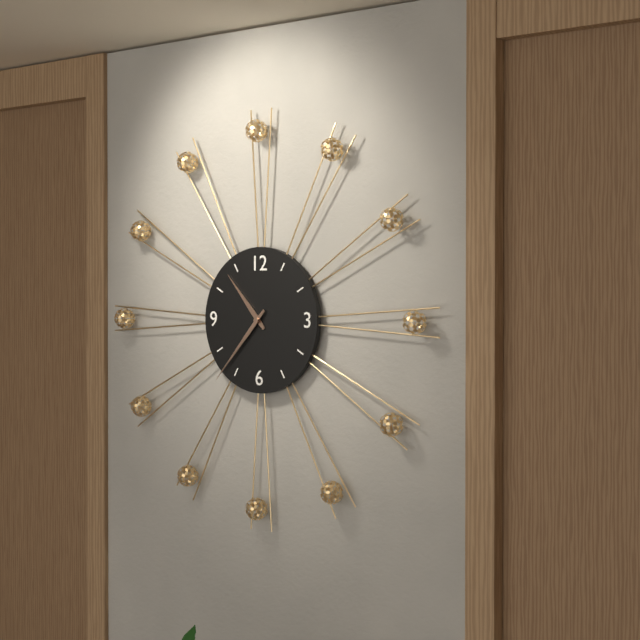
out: 10:37
